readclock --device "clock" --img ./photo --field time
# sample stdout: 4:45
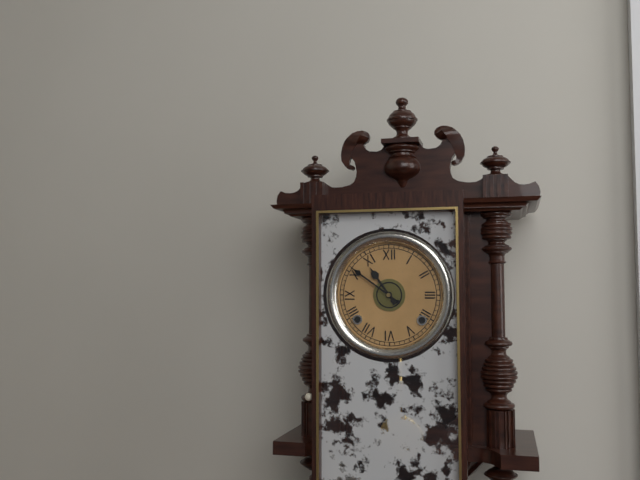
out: 10:51
